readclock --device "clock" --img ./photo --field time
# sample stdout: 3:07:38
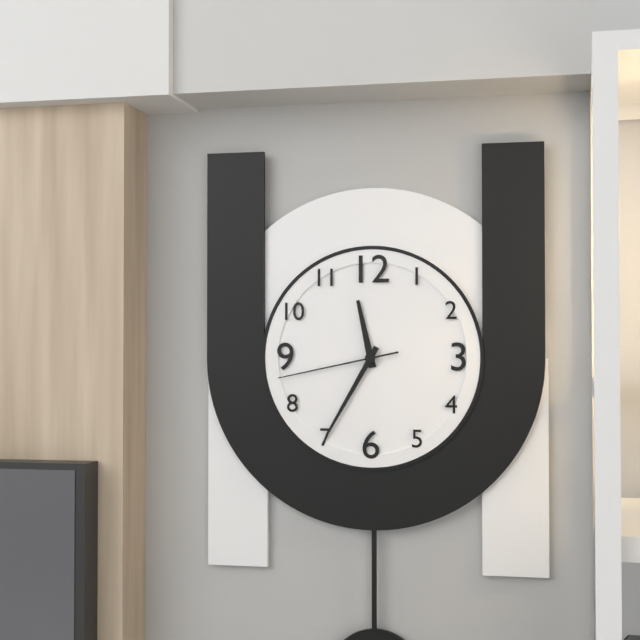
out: 11:35:43
